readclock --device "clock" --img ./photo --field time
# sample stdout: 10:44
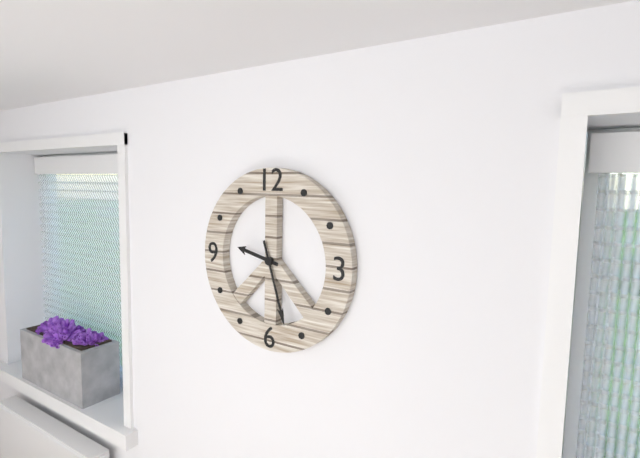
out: 9:27
